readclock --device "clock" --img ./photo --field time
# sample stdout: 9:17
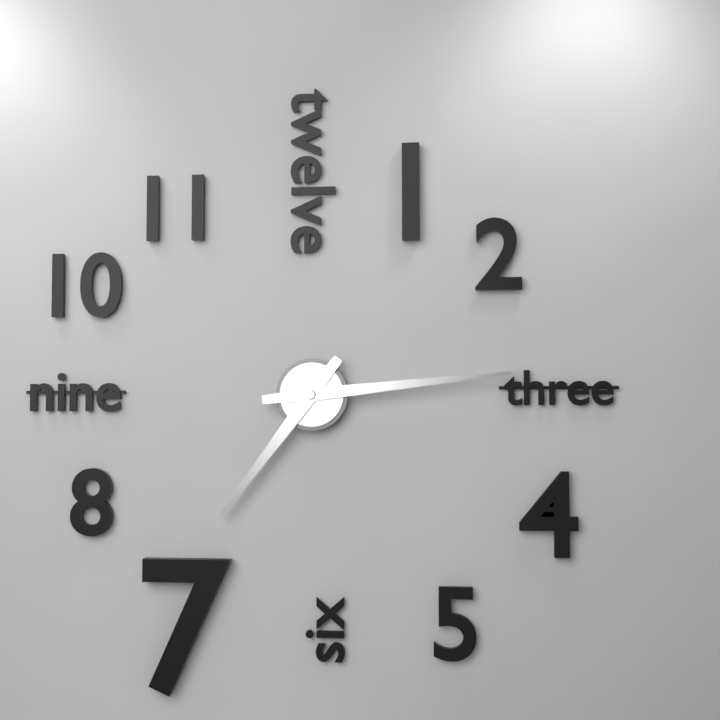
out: 7:14
